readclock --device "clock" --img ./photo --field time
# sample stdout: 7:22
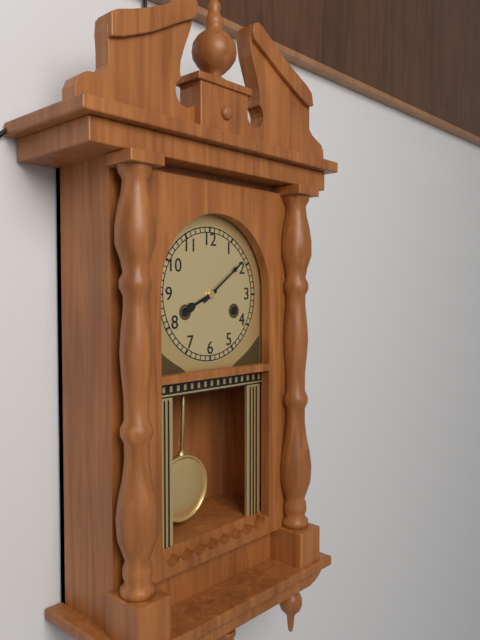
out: 8:09
